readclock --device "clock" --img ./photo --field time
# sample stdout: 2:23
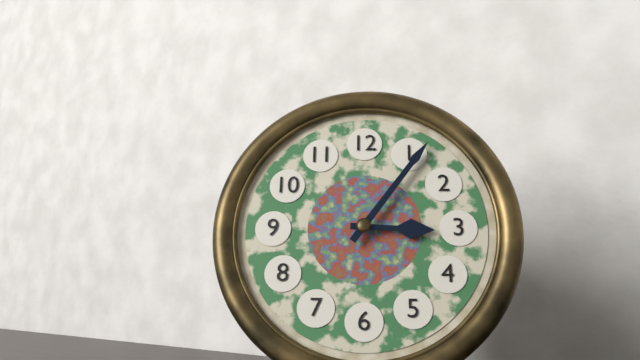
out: 3:06
